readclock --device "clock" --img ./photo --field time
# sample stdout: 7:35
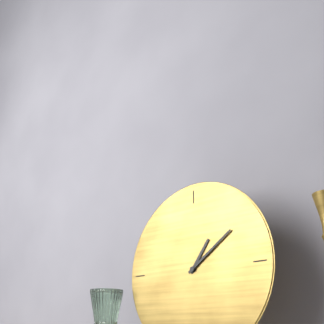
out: 1:09
